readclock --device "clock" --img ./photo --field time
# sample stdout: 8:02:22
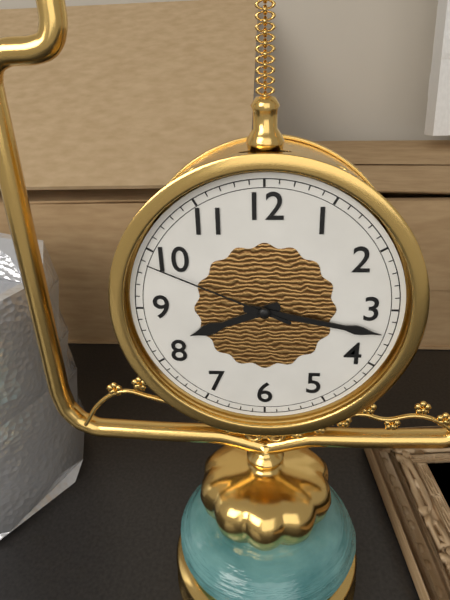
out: 8:17:49
